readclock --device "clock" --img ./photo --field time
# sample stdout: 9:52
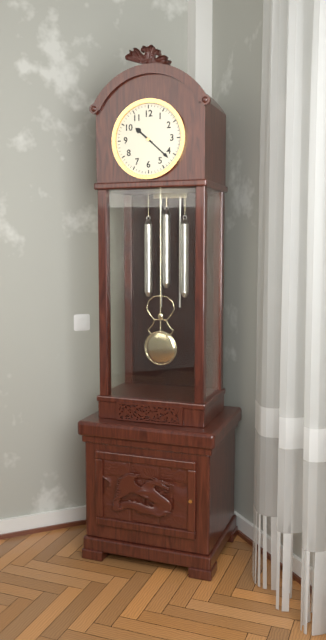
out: 10:22
